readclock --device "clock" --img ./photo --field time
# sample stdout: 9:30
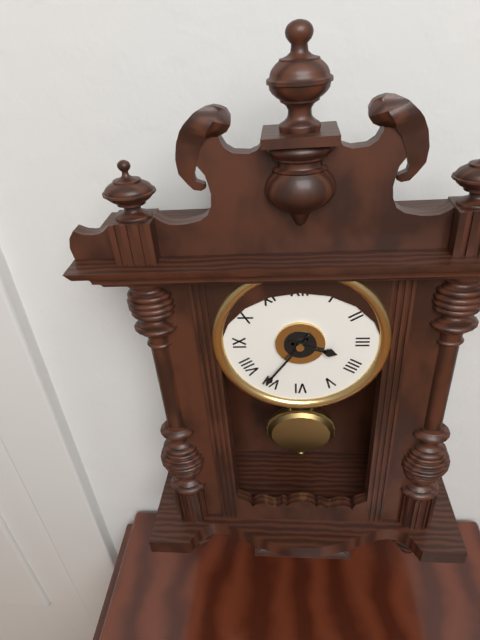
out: 3:36
